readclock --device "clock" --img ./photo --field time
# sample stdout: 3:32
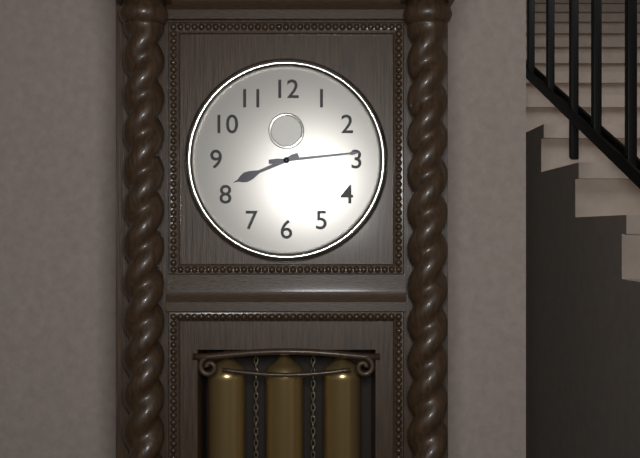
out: 8:14
